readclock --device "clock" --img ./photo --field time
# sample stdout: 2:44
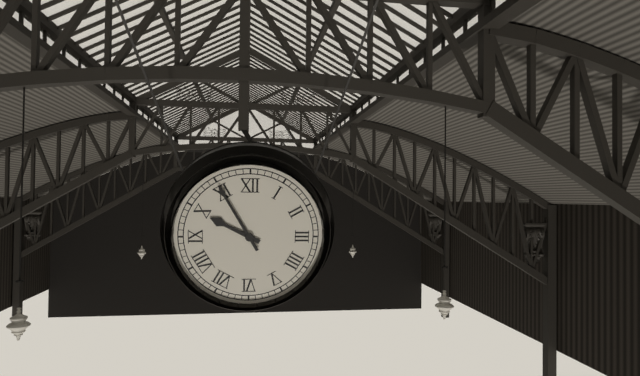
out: 9:55
